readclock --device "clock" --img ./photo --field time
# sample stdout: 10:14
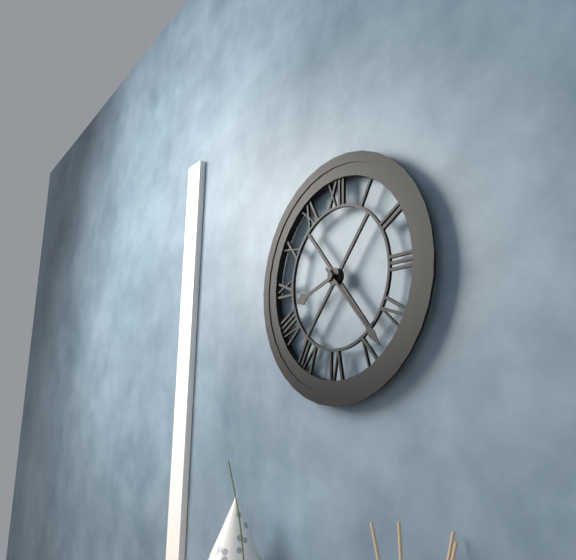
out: 8:23
